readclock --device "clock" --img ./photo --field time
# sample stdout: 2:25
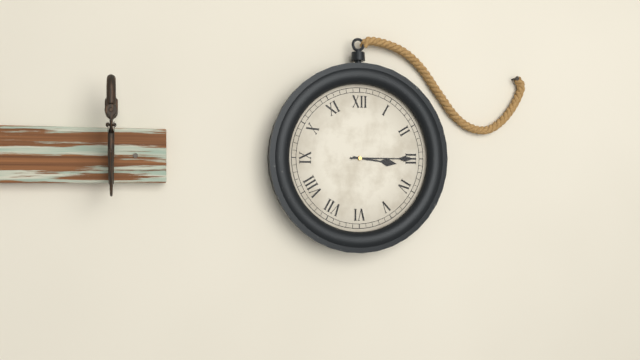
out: 3:15
